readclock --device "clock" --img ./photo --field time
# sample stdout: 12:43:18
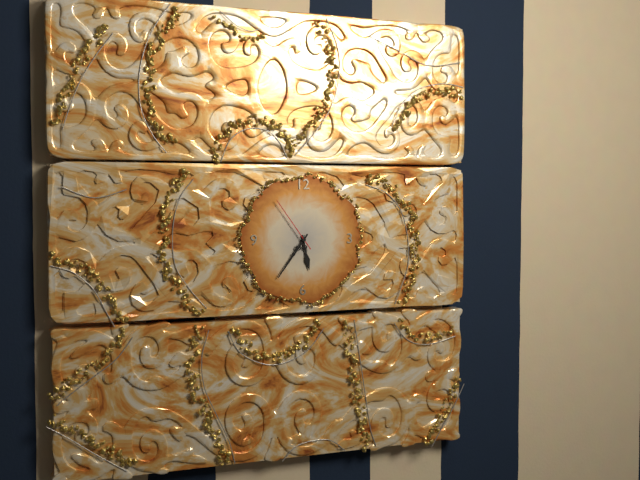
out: 5:36:54
